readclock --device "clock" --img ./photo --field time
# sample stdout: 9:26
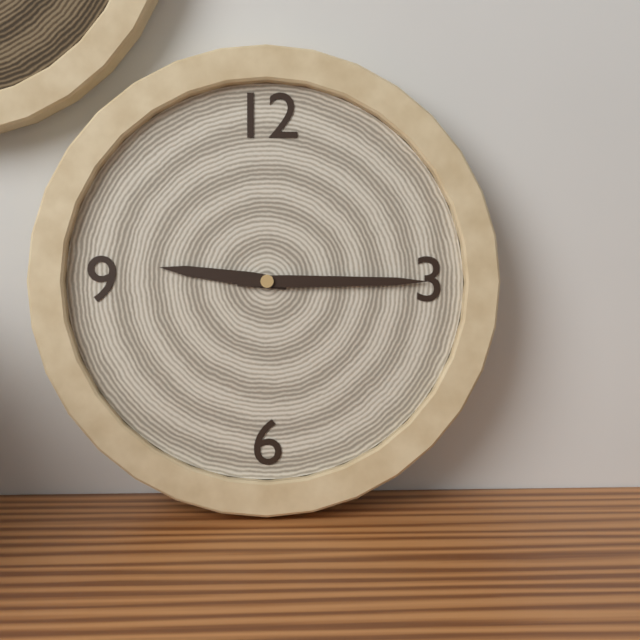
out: 9:15
